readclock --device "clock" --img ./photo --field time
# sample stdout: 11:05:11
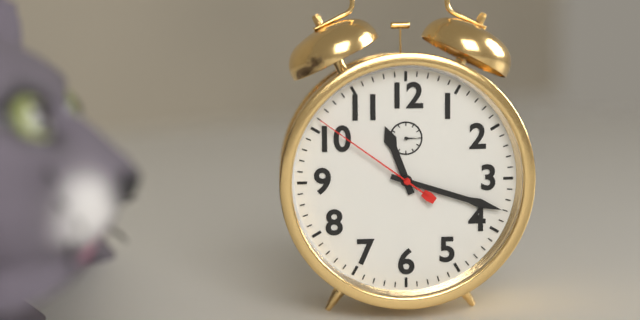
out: 11:18:51
